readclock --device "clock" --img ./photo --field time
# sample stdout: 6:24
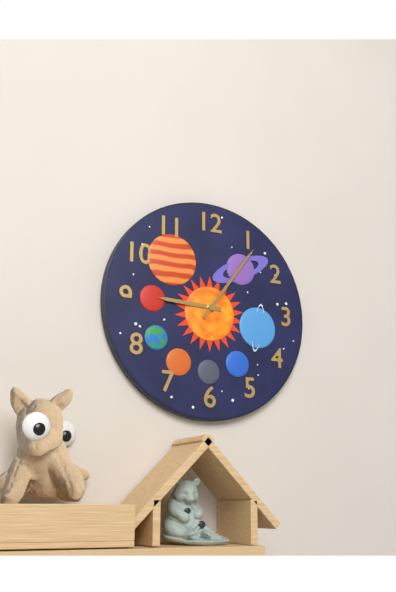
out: 9:06
